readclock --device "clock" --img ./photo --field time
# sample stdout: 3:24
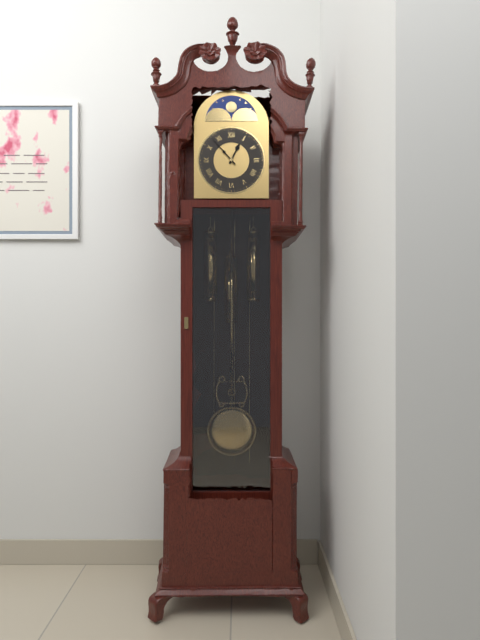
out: 12:53
